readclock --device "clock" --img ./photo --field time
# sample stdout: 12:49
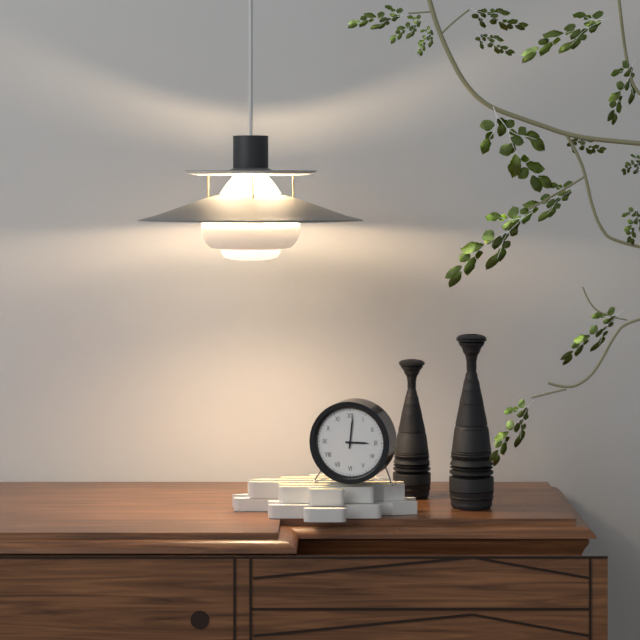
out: 3:01
